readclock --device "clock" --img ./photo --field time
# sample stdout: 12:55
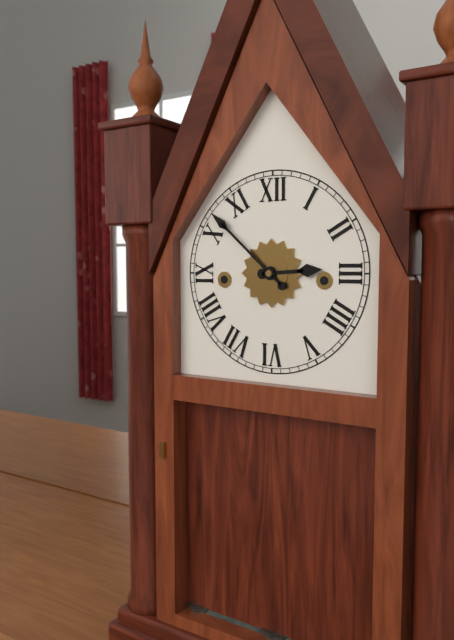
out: 2:52
